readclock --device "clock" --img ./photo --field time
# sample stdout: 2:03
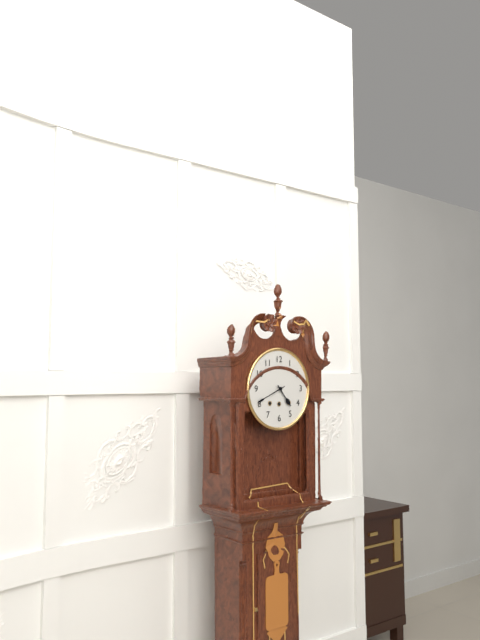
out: 4:41
